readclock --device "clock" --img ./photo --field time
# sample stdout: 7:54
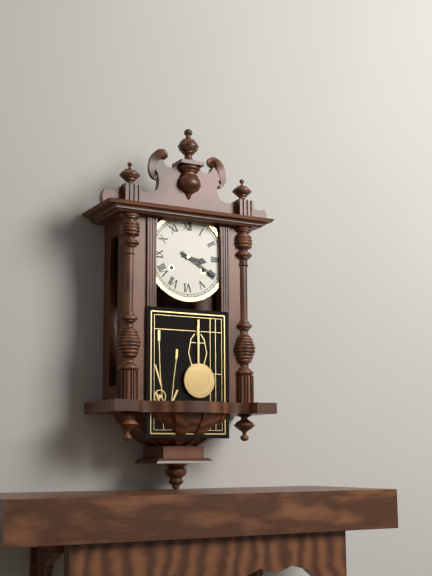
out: 3:20
